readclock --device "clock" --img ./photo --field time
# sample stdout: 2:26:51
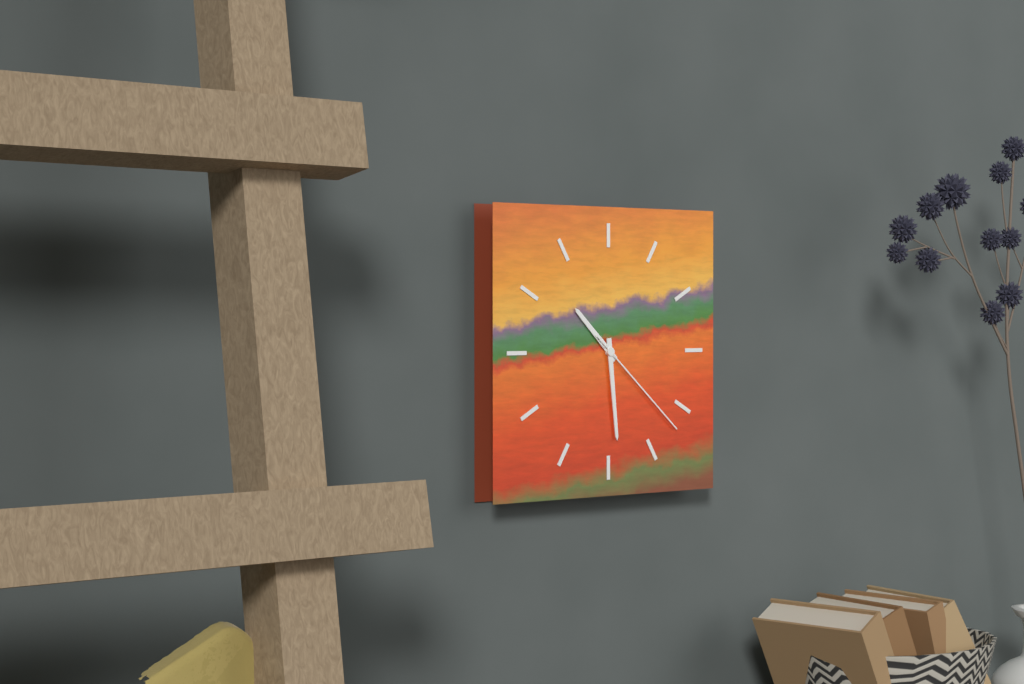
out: 10:29:22
